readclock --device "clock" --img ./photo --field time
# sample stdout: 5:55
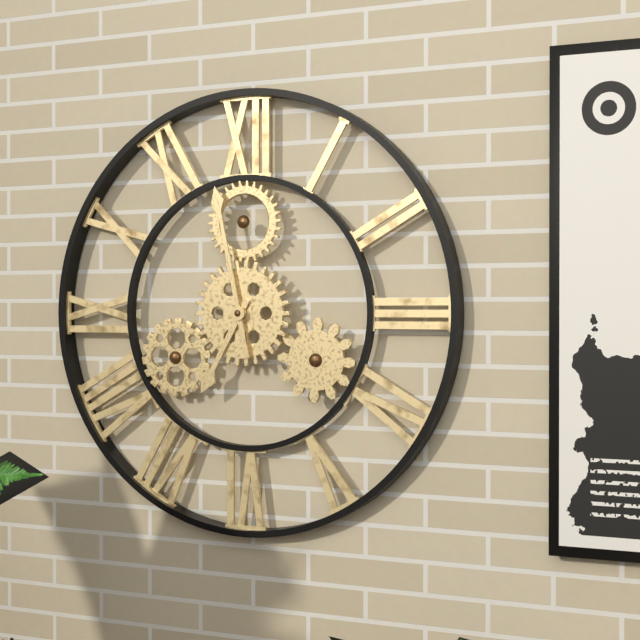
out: 6:58
